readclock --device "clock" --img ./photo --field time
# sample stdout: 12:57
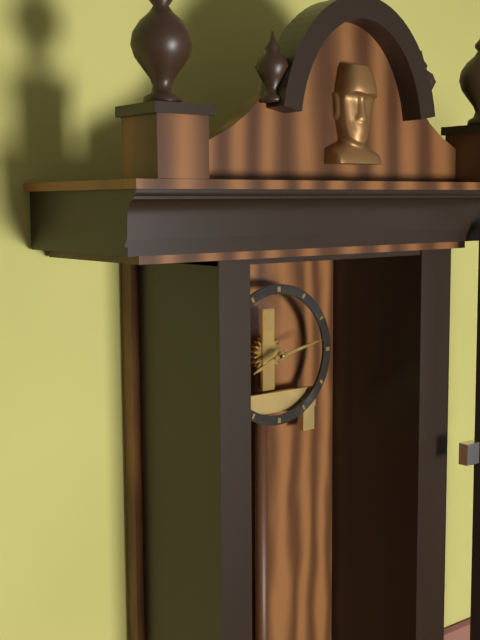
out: 8:13
